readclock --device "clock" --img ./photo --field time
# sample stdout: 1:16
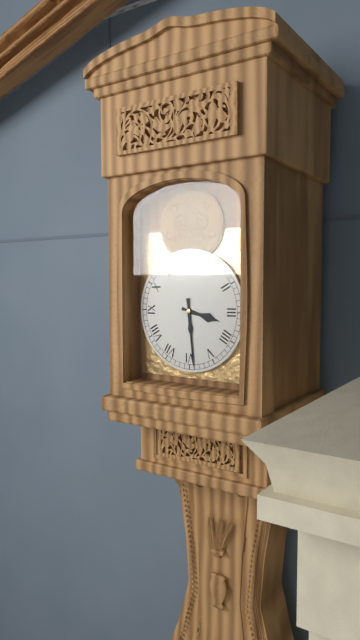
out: 3:29
